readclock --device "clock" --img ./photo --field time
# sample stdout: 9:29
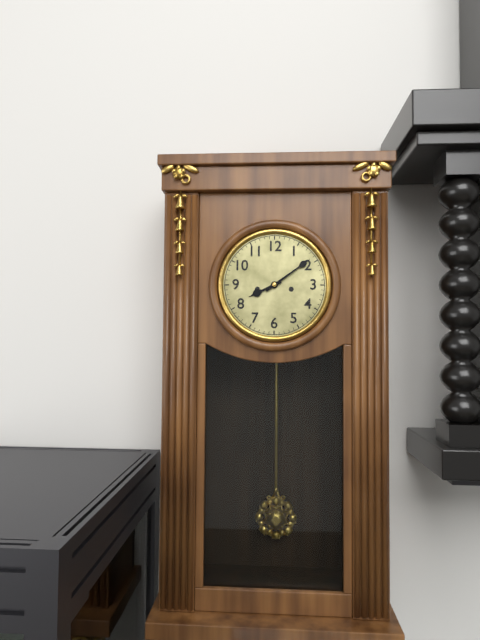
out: 8:09
